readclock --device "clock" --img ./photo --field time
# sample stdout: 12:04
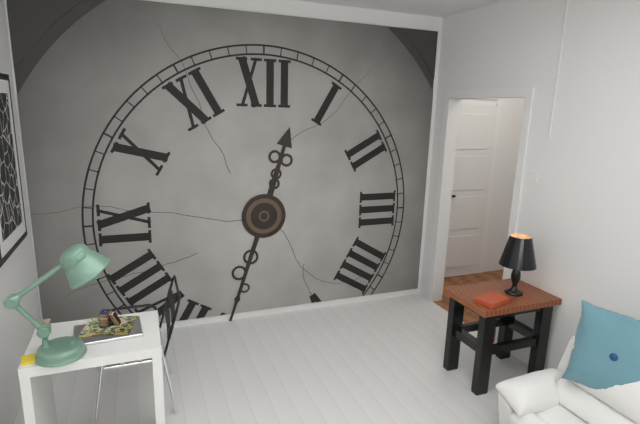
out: 12:33
